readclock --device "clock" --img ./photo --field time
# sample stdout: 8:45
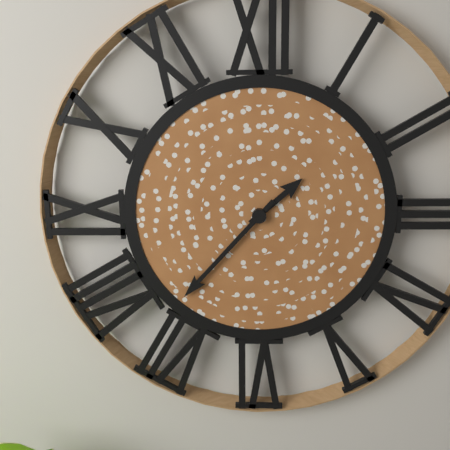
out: 1:37
